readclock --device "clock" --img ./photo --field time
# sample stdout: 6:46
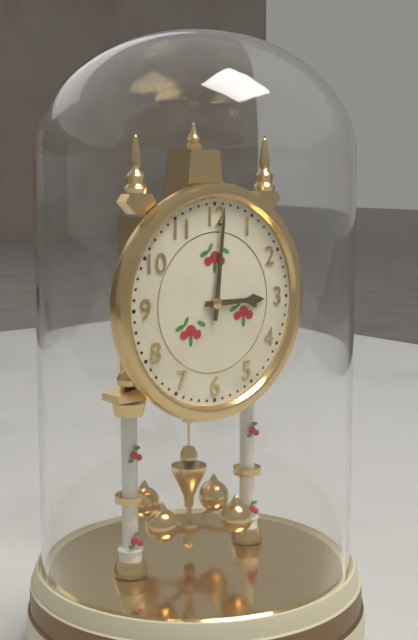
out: 3:01
